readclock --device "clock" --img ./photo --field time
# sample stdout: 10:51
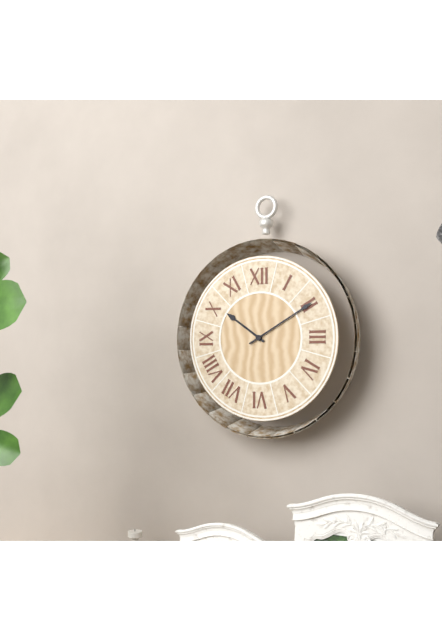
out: 10:10
